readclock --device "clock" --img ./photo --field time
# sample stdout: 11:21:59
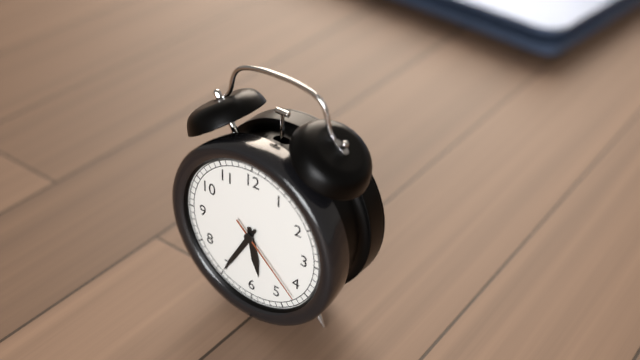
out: 5:35:22
